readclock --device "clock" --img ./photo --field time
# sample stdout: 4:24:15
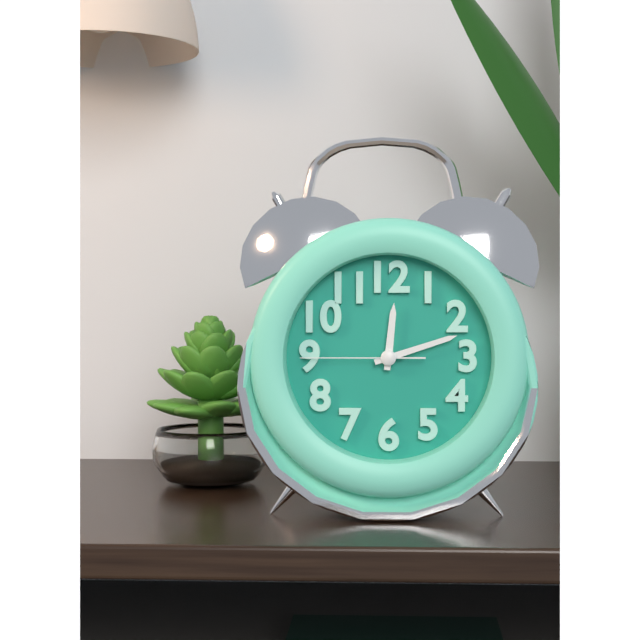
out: 12:12:45
